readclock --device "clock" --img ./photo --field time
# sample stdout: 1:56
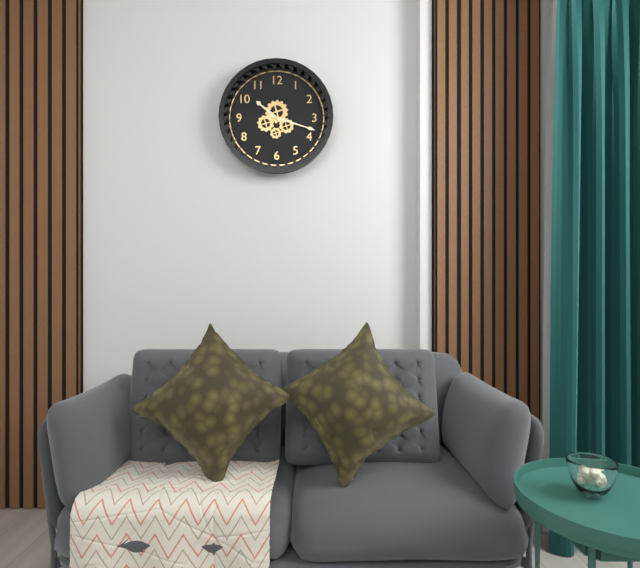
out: 10:18
